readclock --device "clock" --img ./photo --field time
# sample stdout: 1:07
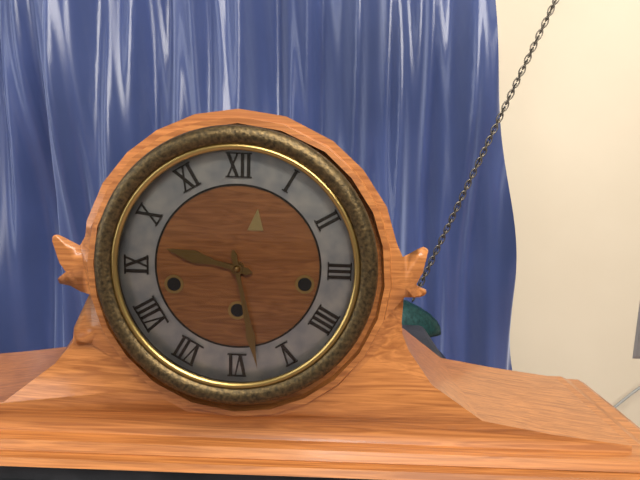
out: 9:28
